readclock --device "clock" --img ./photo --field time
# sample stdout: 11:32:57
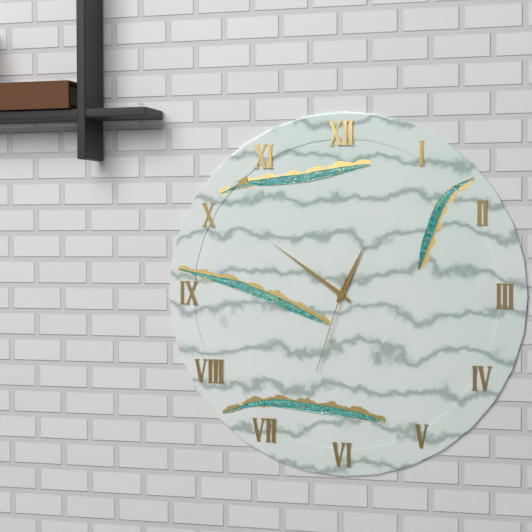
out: 12:51:33
